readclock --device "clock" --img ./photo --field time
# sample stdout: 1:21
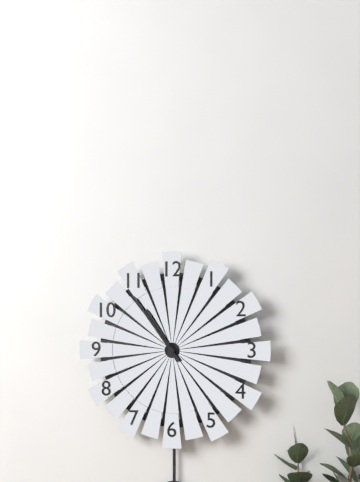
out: 10:54
